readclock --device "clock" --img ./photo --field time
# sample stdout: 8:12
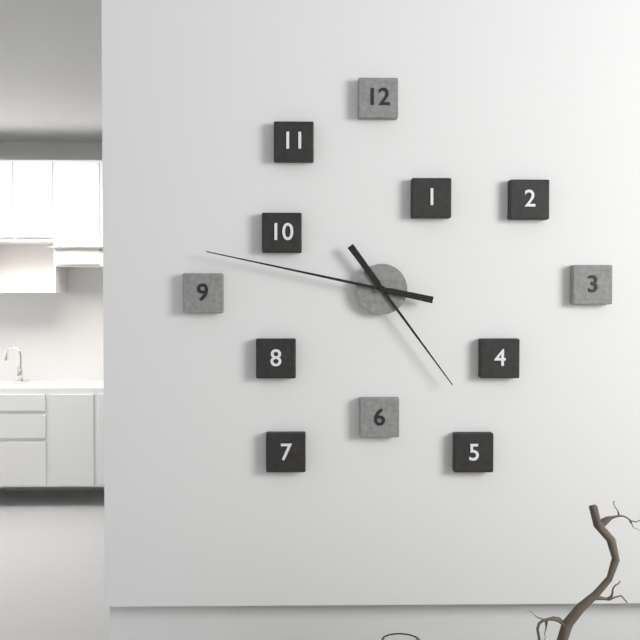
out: 4:47
